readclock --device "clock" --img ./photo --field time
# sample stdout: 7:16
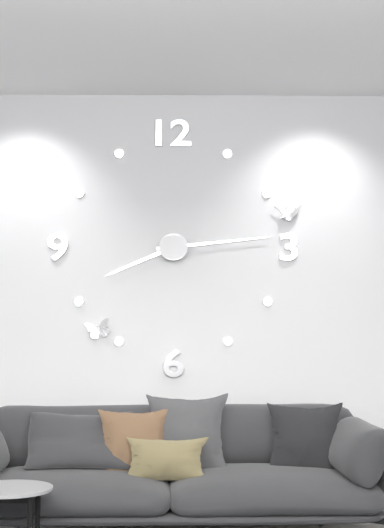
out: 8:14
